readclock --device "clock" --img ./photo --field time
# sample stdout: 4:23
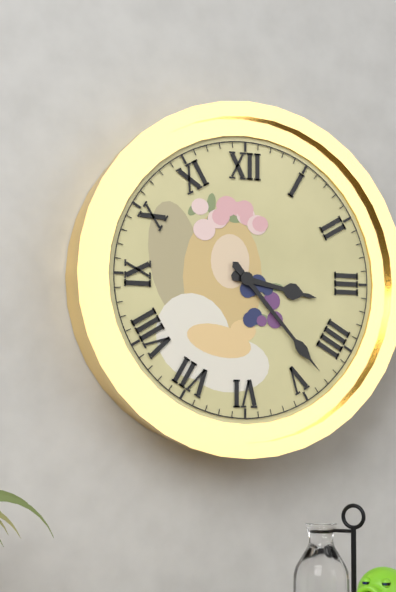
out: 3:23
